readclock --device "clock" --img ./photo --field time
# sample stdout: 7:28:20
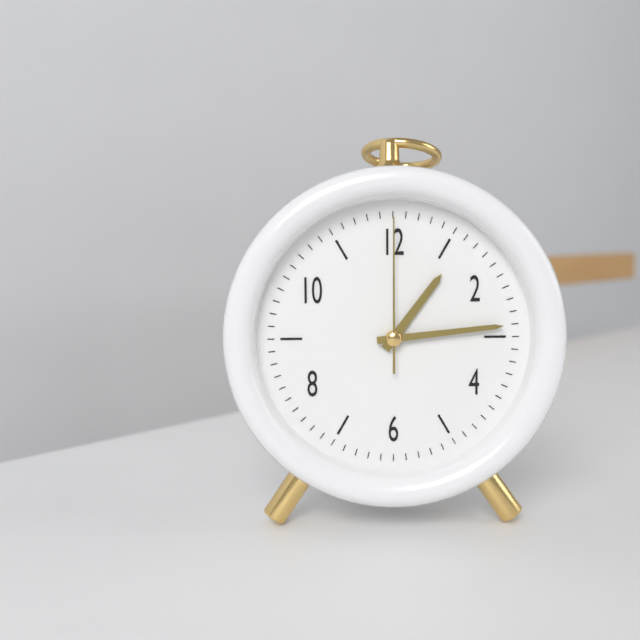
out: 1:14:00
